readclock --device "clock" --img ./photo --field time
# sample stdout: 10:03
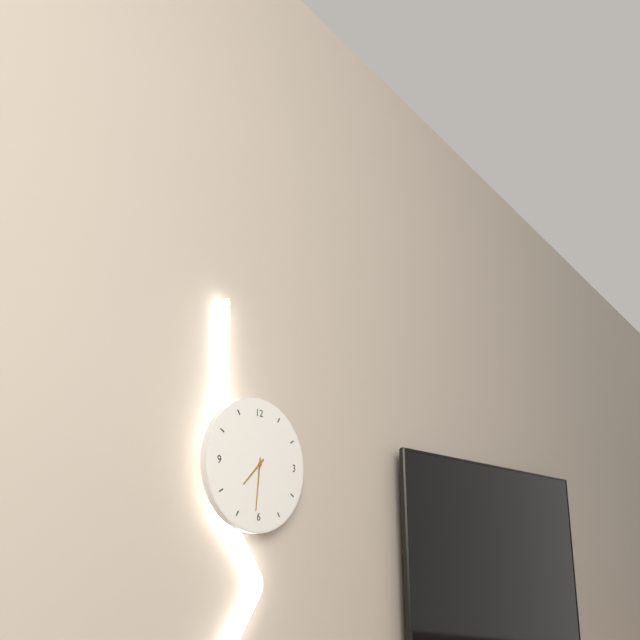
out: 7:31
